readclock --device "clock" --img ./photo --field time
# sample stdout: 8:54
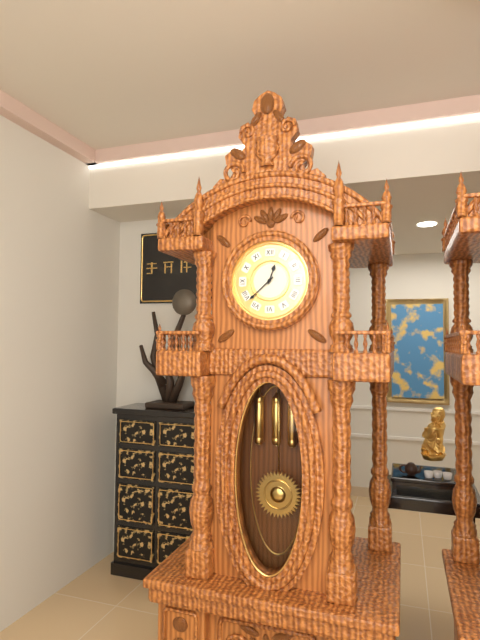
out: 12:38
